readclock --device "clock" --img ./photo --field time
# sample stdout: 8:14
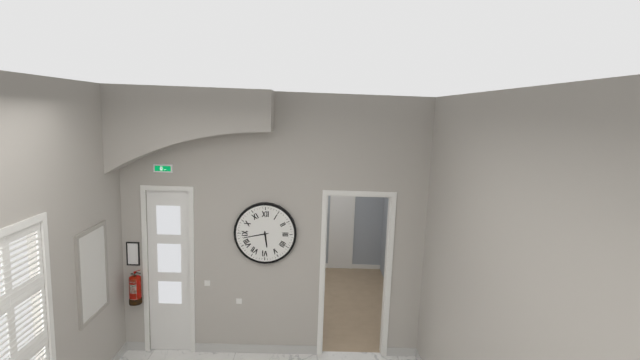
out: 5:43
